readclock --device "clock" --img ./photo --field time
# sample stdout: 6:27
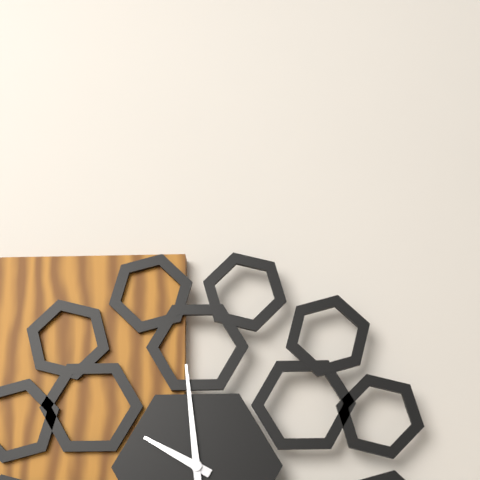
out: 9:59
